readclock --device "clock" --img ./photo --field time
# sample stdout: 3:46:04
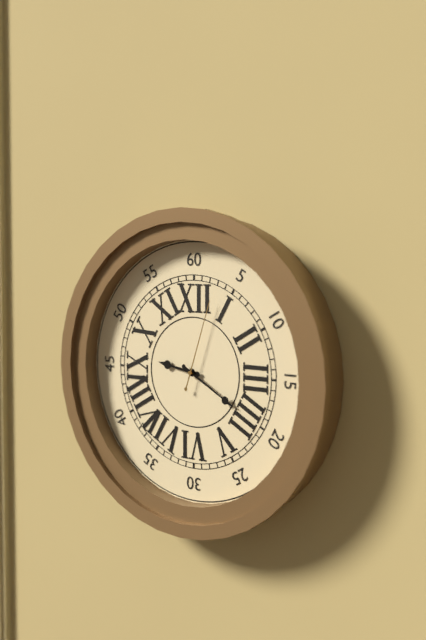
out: 9:20:03
